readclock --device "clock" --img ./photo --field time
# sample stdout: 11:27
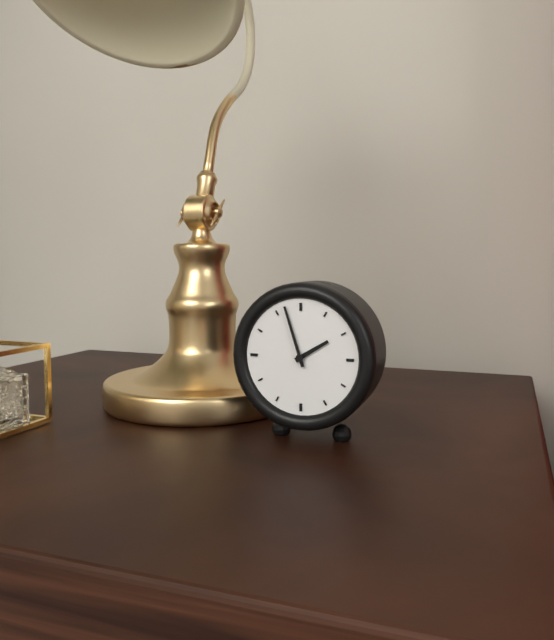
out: 1:57
